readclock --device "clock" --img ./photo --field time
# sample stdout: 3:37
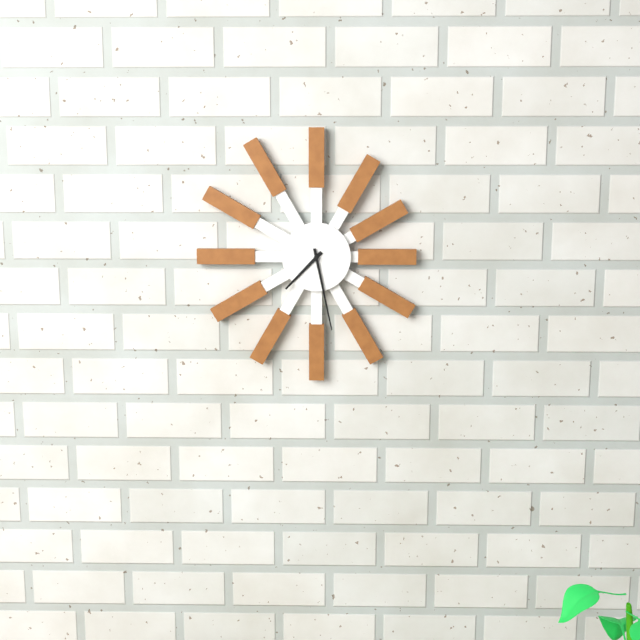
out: 7:28
